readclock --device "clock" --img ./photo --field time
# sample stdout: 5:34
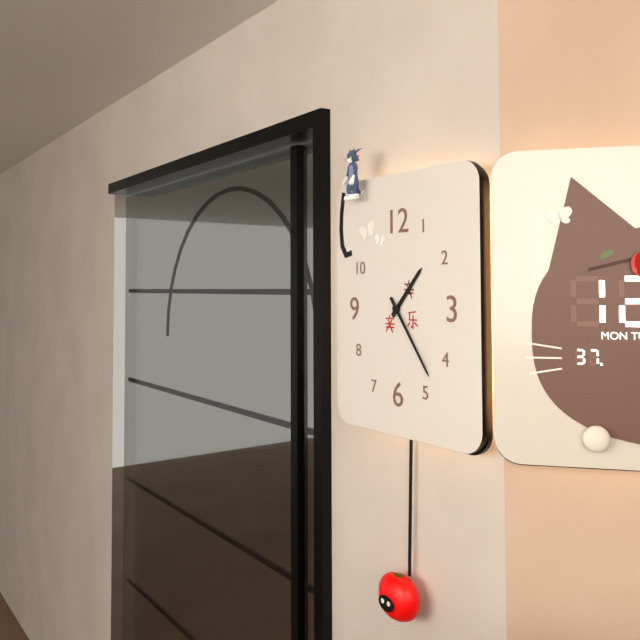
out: 1:24
